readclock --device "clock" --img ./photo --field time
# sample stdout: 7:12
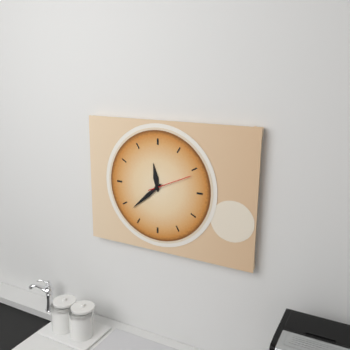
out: 11:38
